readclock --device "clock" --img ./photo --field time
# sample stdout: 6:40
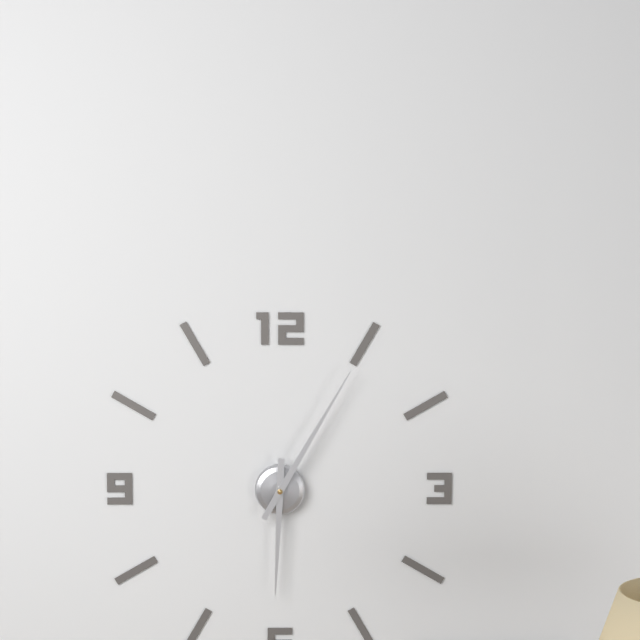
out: 6:05
